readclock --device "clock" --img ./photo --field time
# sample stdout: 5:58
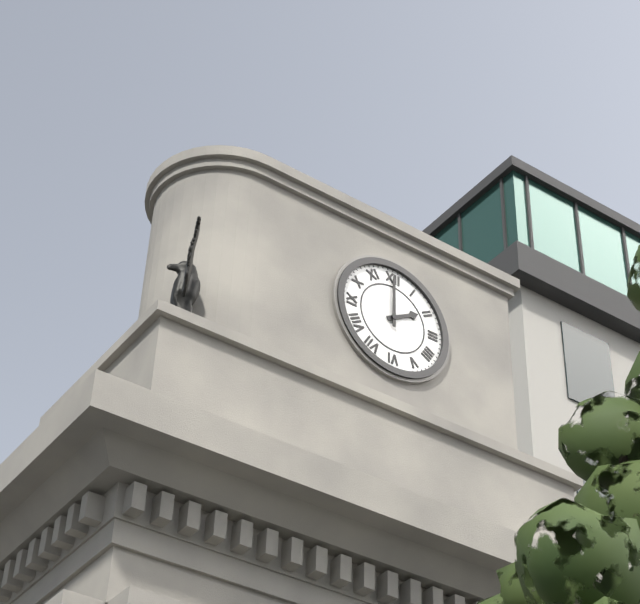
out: 2:00
